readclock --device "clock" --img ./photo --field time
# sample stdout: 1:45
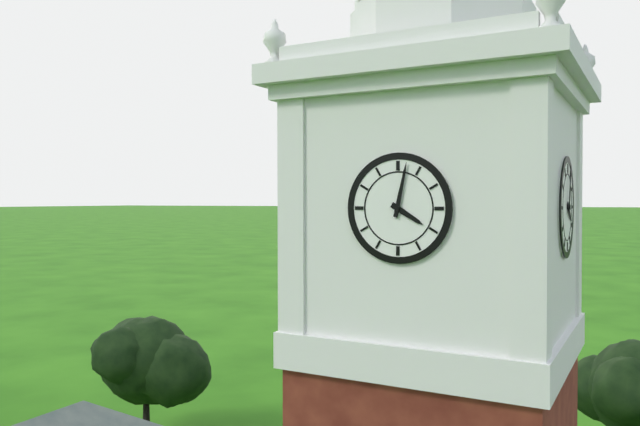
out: 4:02
